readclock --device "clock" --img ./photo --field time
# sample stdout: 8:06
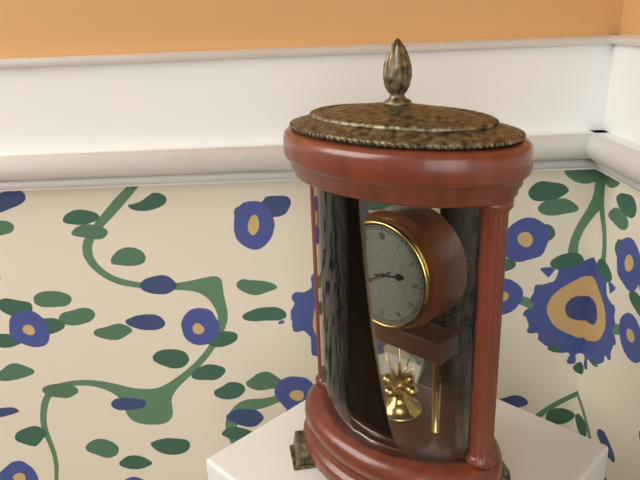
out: 2:40
